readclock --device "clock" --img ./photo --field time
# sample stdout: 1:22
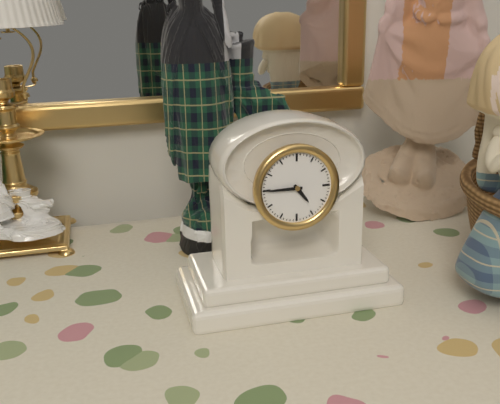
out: 4:45
